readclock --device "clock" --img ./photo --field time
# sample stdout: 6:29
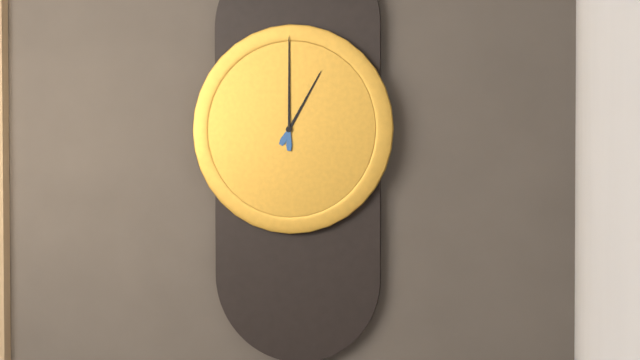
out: 1:00
